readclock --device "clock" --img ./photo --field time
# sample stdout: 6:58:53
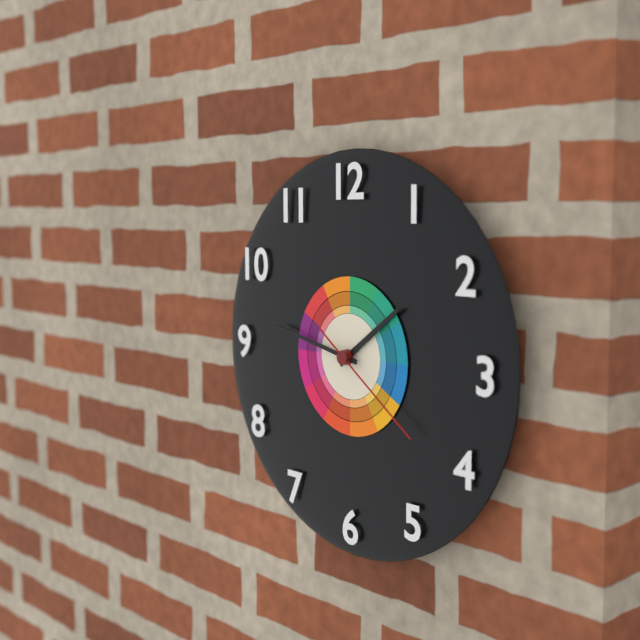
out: 1:47:21
